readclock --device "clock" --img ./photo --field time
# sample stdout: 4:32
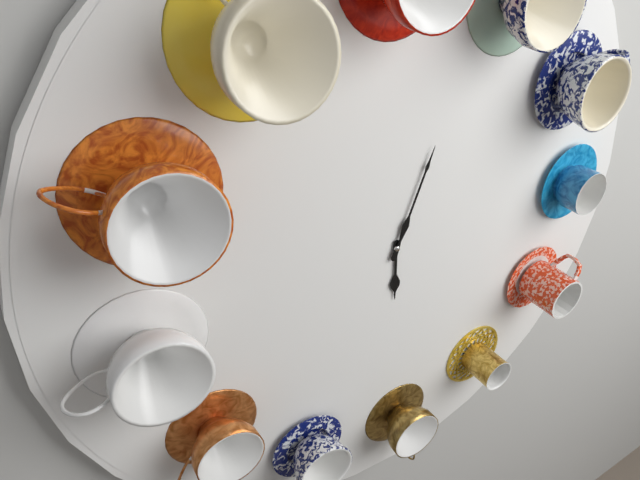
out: 6:04
